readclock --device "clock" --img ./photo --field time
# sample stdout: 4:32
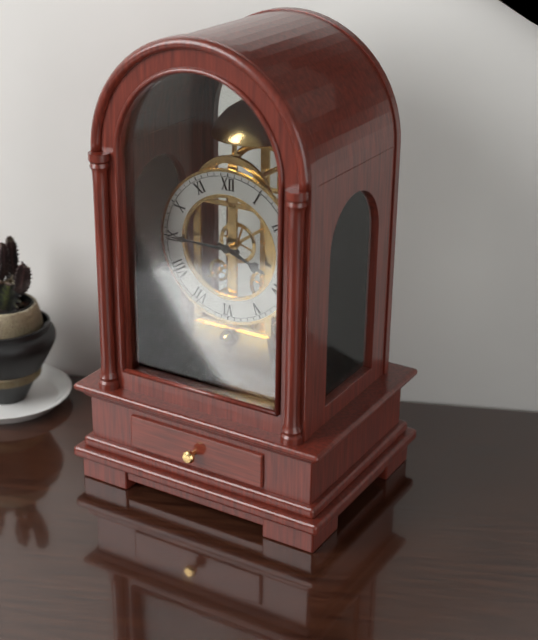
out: 3:45
